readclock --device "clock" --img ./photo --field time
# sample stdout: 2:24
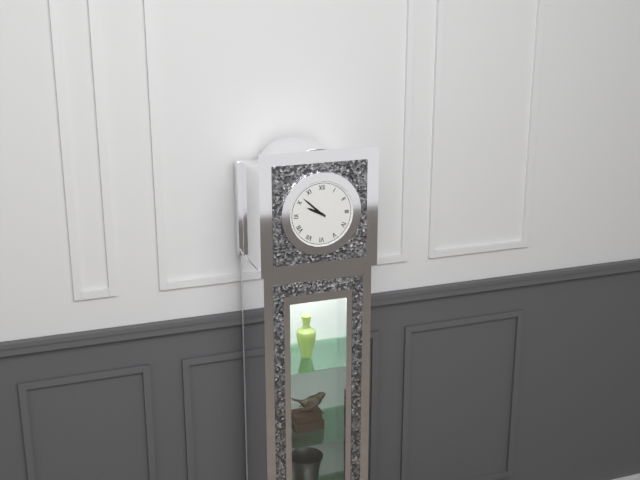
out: 9:52
